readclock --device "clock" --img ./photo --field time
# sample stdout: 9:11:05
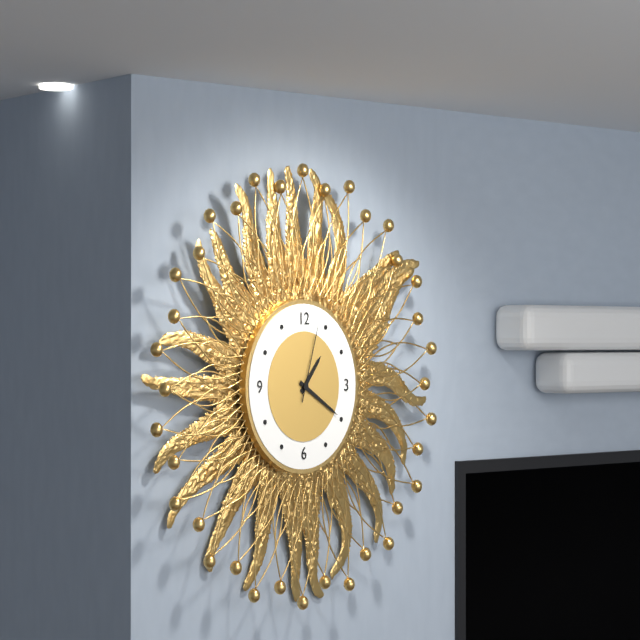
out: 1:20:03
